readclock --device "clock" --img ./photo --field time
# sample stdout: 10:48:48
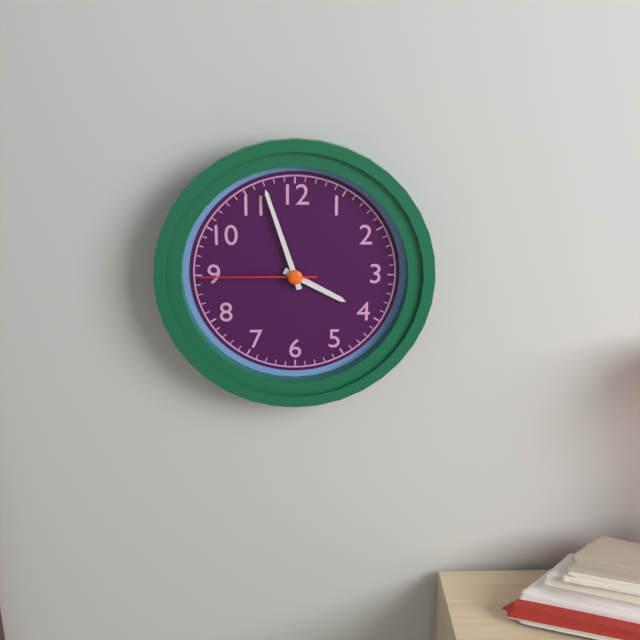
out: 3:57:45
